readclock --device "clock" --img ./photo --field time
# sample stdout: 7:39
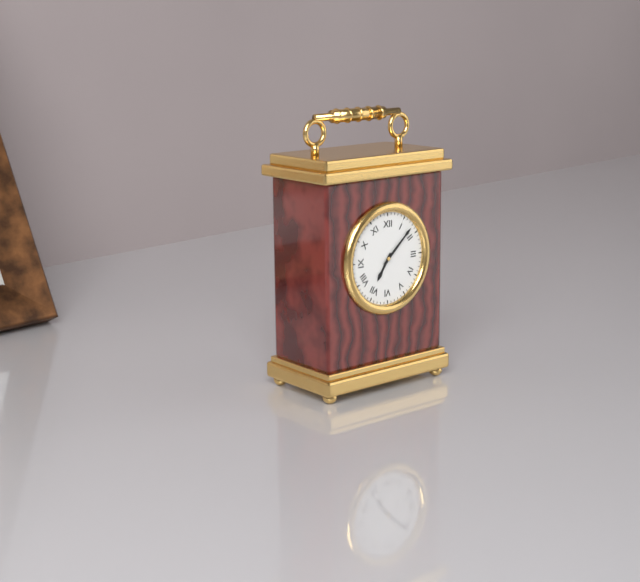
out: 7:08
